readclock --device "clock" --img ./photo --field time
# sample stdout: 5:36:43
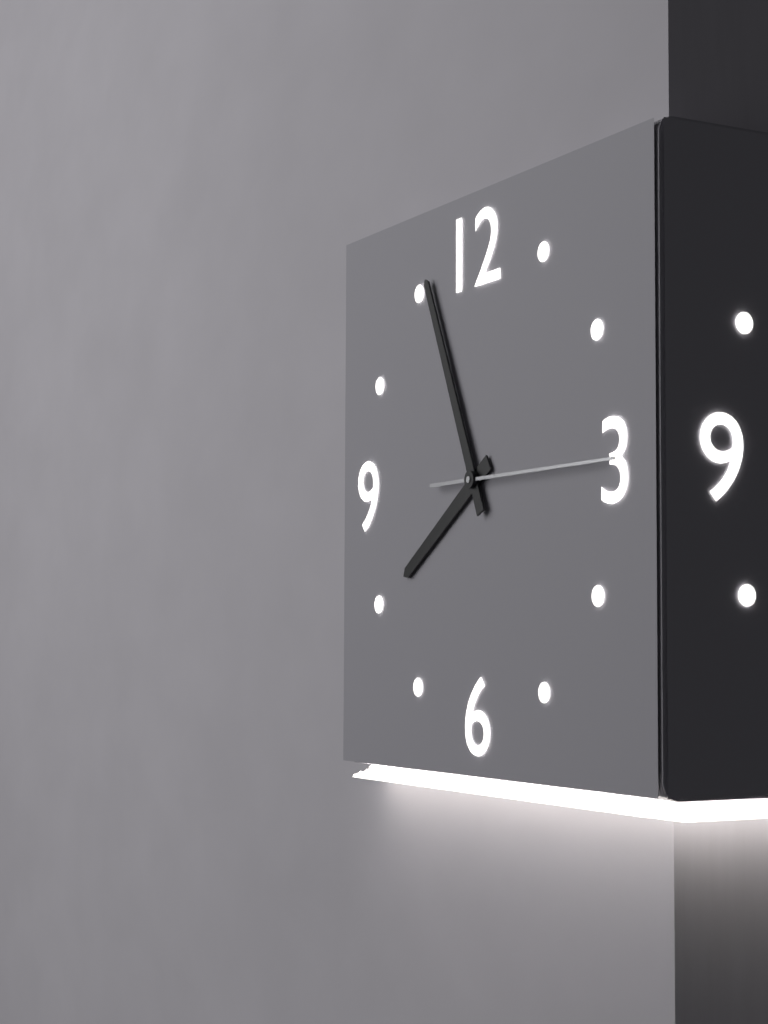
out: 7:56:15
